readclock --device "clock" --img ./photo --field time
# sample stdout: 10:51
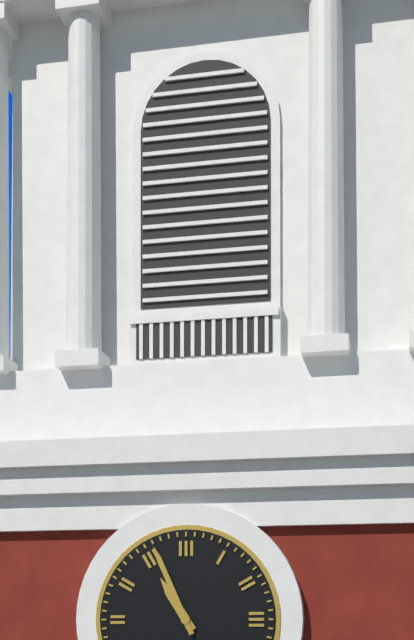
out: 10:56
